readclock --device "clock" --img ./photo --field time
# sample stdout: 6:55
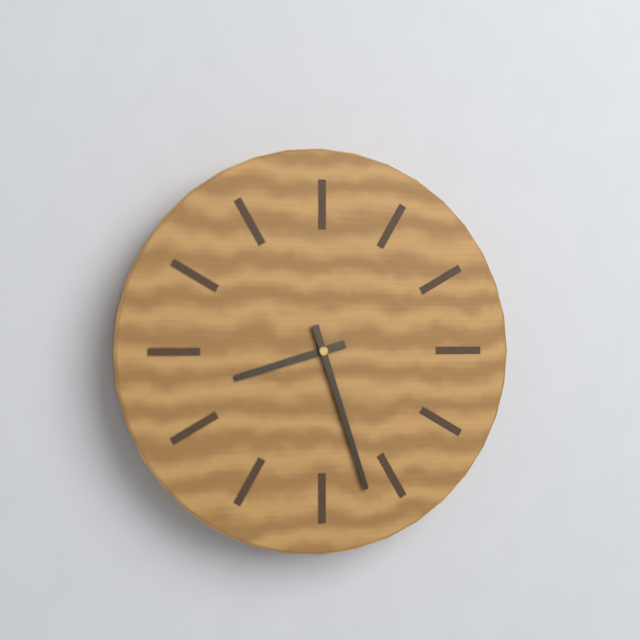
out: 8:27
